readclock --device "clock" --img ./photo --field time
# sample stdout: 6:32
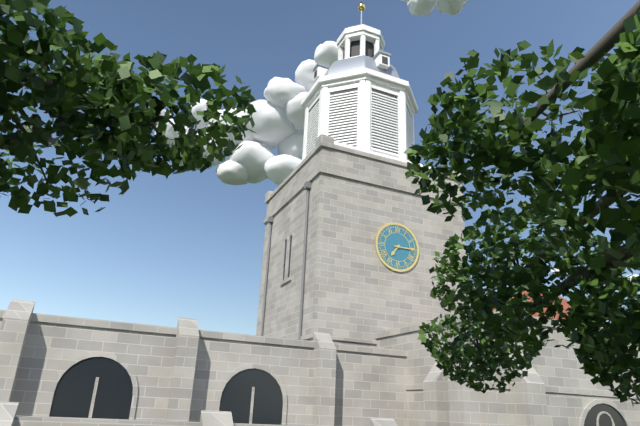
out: 7:15
